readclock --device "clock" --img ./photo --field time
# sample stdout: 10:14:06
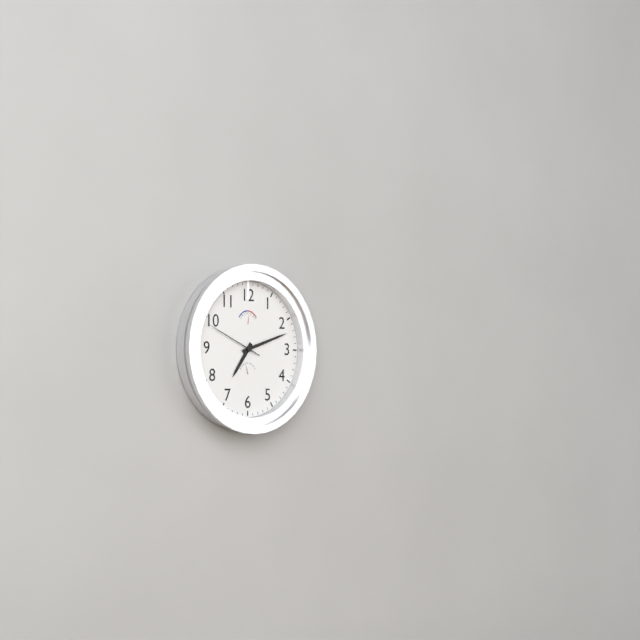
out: 7:12:49
